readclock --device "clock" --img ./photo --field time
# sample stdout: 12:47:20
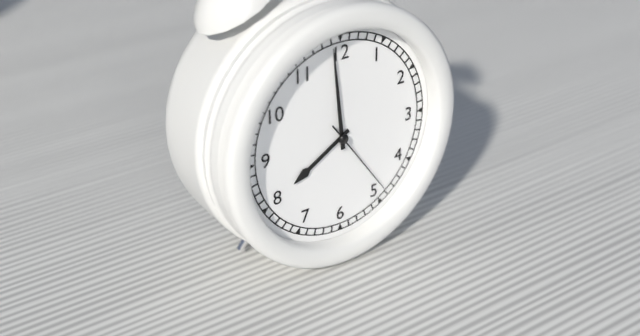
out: 7:59:24
